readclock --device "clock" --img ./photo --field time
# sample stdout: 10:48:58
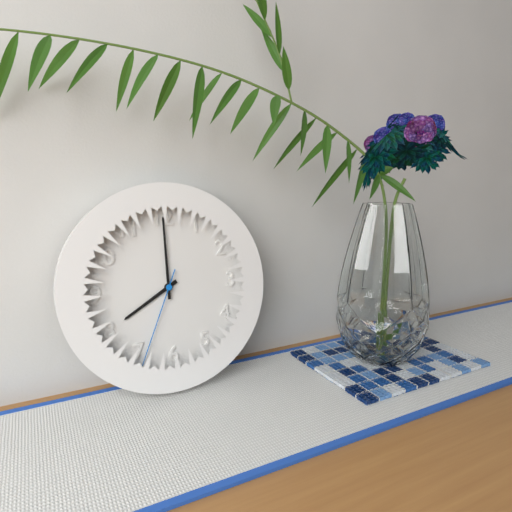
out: 8:00:34
